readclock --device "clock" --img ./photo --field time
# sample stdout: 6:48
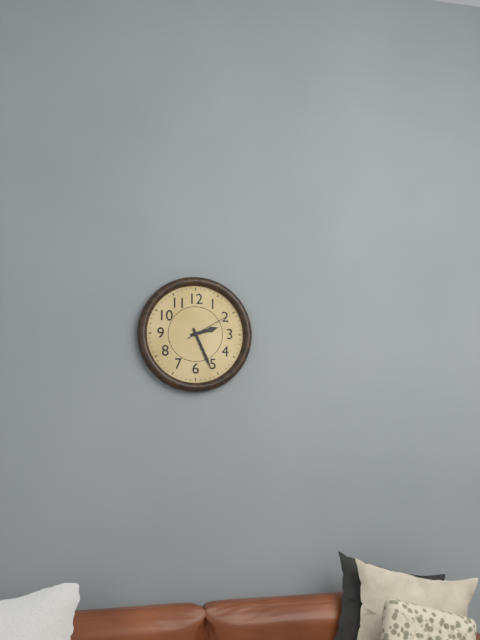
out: 2:26
